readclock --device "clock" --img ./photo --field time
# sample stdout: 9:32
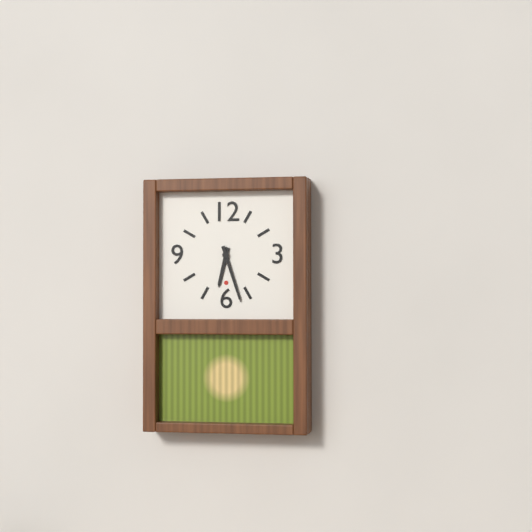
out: 6:27
